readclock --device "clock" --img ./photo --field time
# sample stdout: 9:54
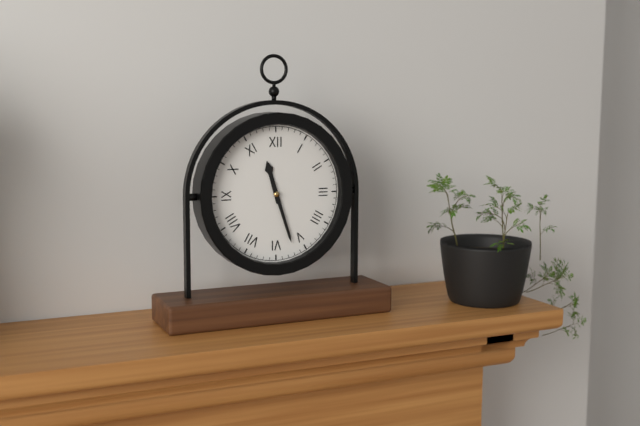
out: 11:27
